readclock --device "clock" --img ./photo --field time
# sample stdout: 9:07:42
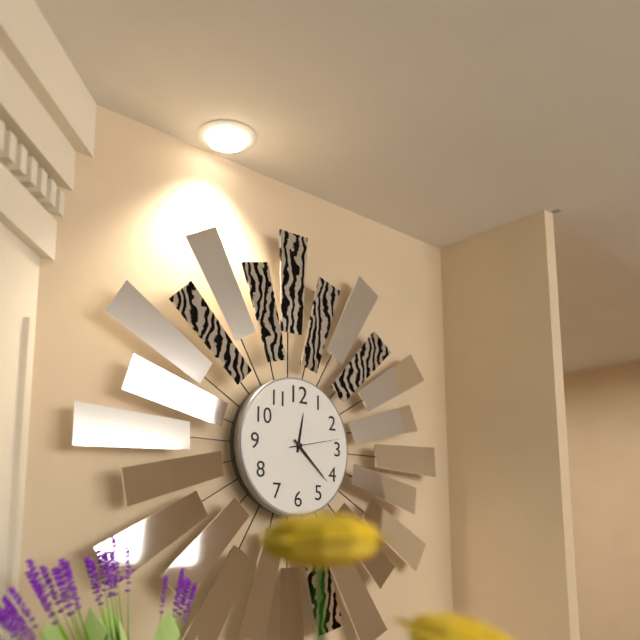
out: 12:22:13
